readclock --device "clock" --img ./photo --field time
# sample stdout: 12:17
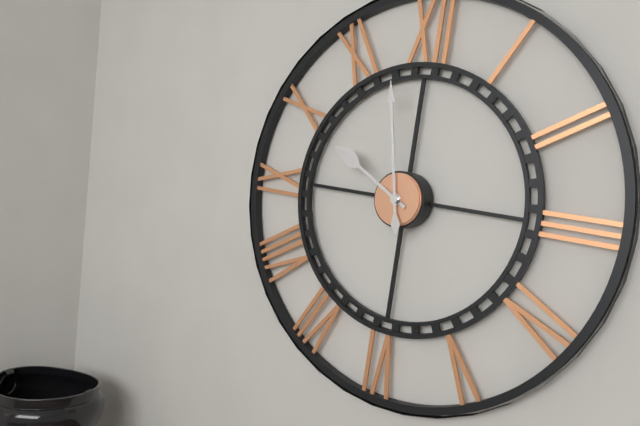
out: 9:58
